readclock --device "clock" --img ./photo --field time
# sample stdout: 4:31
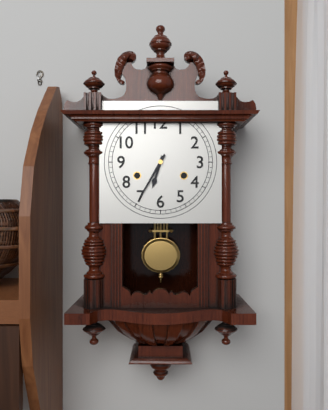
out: 6:35
